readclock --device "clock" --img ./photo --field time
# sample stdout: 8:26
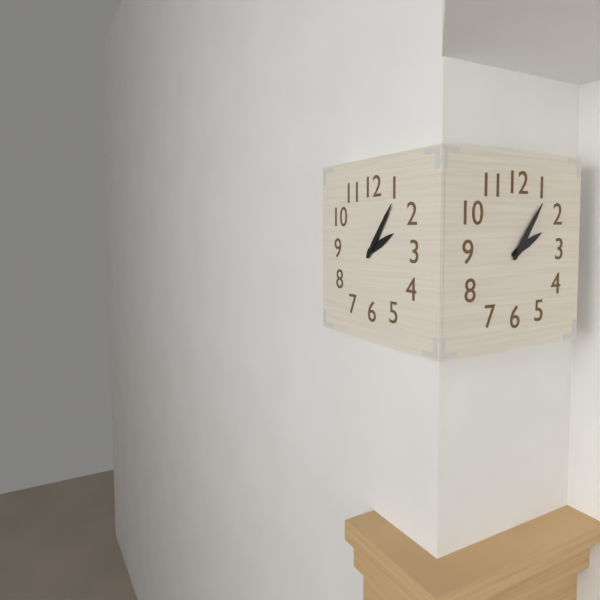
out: 2:06
